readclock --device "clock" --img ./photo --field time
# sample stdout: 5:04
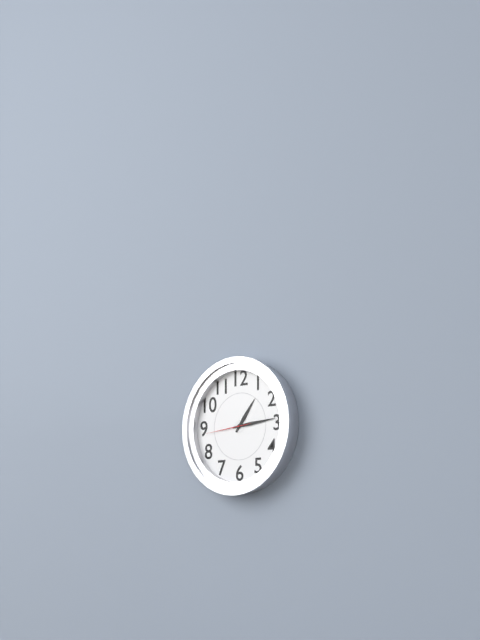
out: 1:14
